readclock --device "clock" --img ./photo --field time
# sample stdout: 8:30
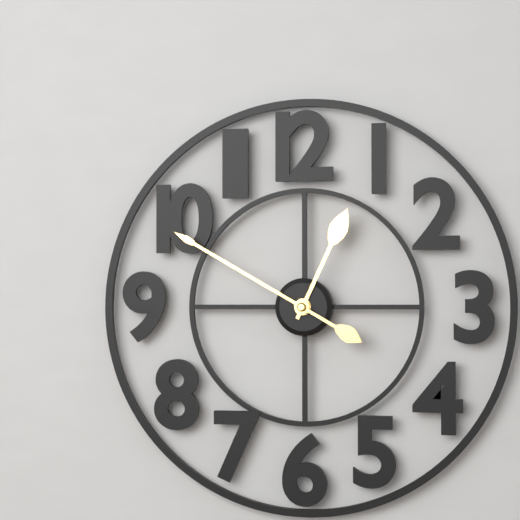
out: 12:50
